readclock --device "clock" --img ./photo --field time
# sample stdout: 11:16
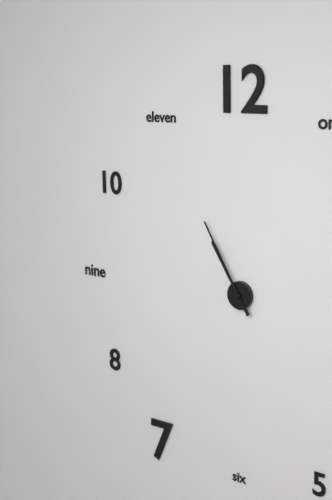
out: 10:55
